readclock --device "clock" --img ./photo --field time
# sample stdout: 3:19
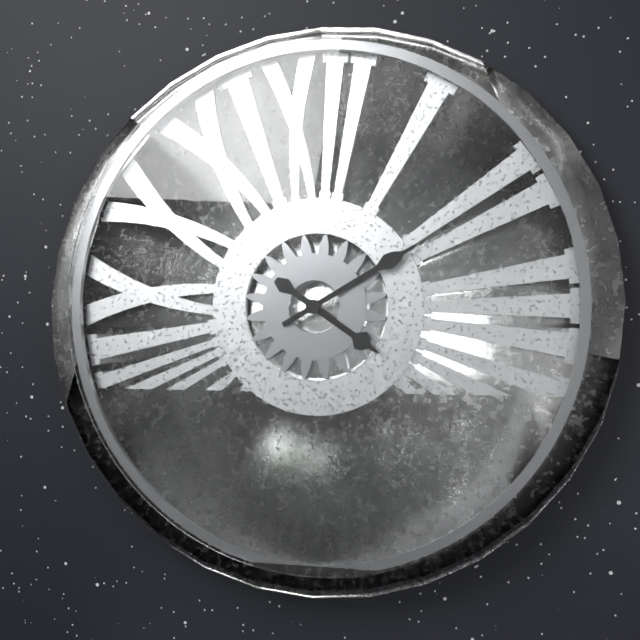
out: 4:10
